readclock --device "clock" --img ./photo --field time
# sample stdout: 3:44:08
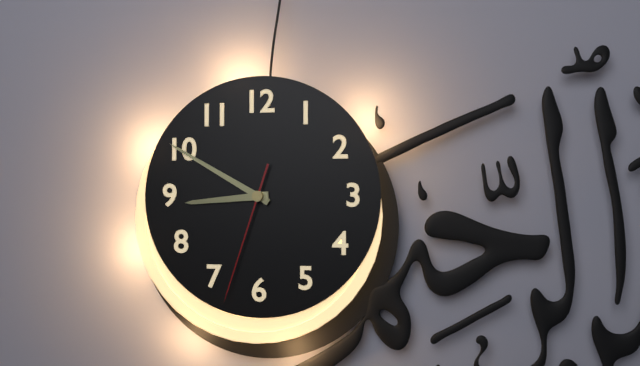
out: 8:50:33
